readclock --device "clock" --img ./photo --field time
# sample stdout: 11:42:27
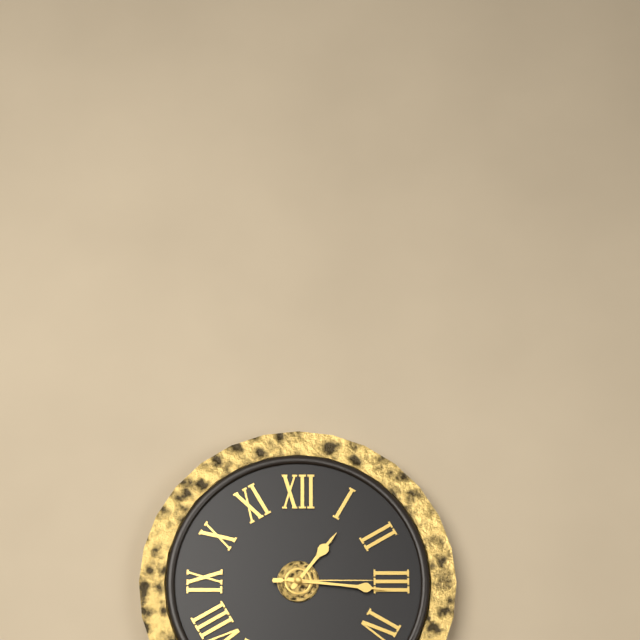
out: 1:16:15
